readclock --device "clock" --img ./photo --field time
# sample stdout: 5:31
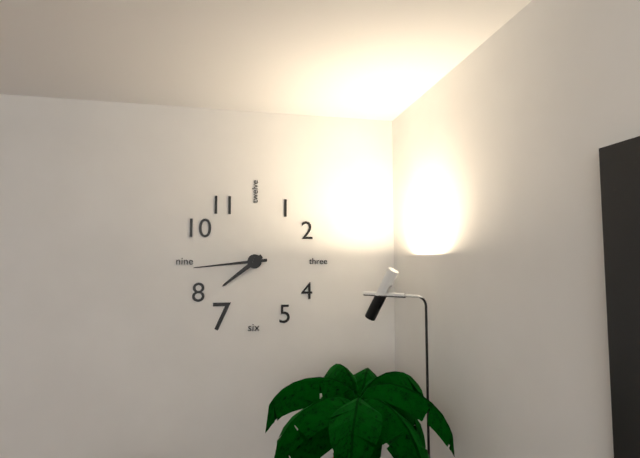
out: 7:44
